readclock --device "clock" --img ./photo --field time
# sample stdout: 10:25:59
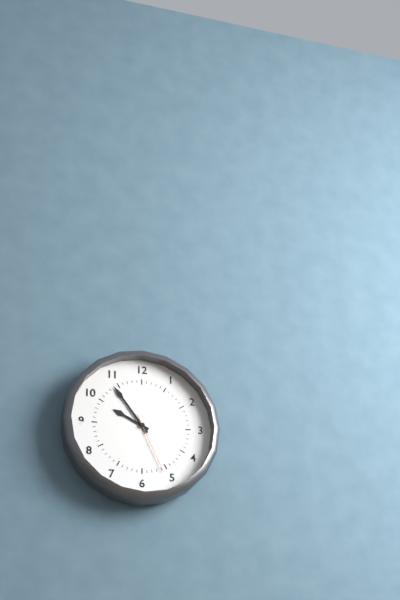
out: 9:54:26
